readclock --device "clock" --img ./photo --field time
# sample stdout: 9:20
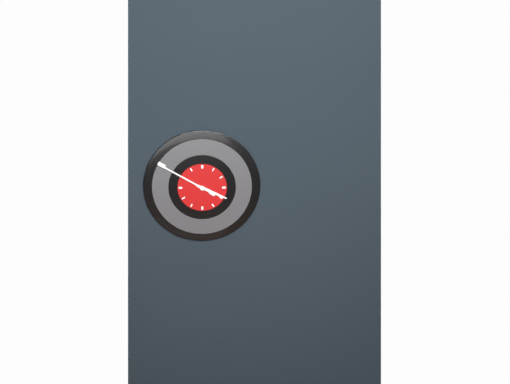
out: 3:50
